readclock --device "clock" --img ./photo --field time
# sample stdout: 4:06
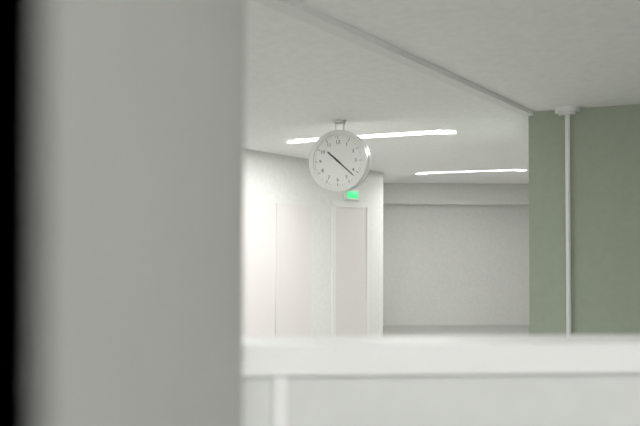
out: 10:22
